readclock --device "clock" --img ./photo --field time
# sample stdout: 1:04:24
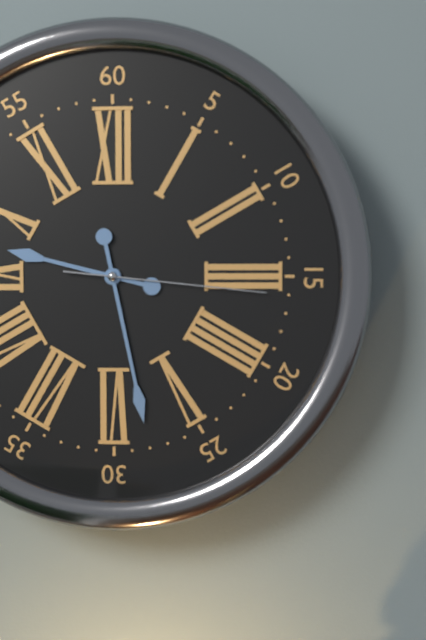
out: 9:28:16
